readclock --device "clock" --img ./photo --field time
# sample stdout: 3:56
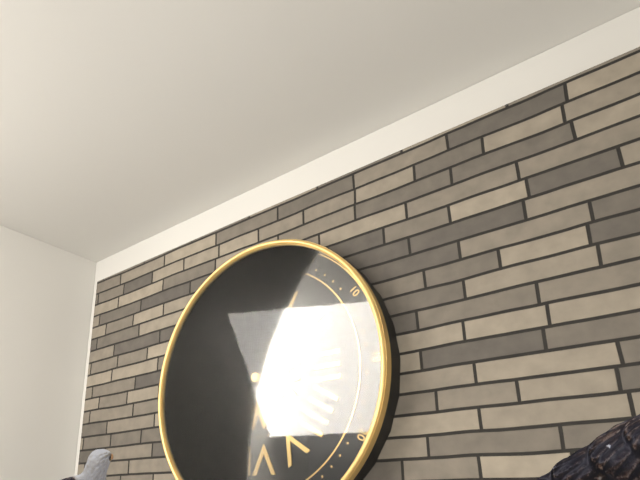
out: 7:00
